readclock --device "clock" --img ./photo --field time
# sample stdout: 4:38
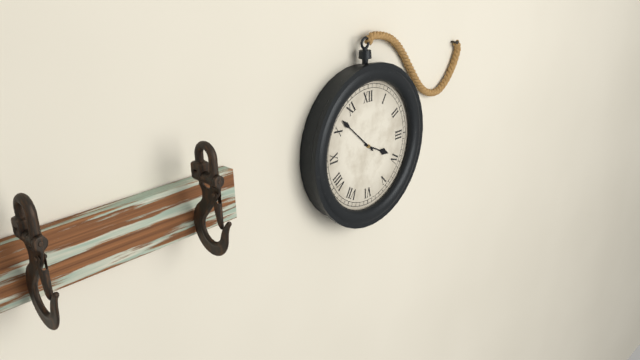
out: 3:52
